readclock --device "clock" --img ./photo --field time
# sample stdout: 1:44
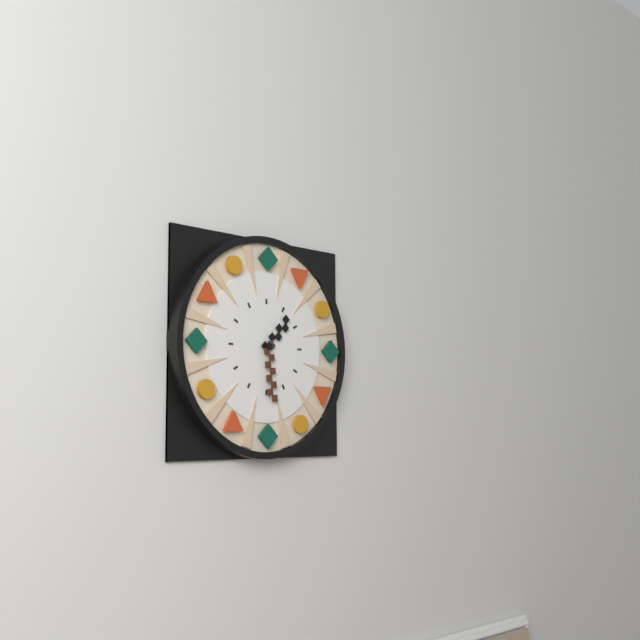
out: 1:29
